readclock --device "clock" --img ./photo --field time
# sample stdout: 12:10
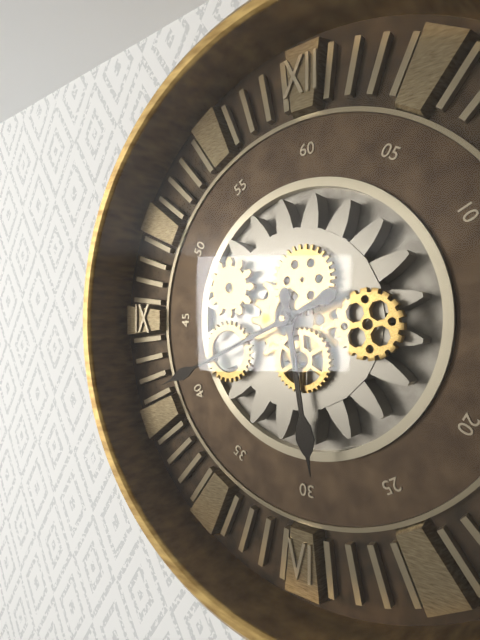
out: 5:41
